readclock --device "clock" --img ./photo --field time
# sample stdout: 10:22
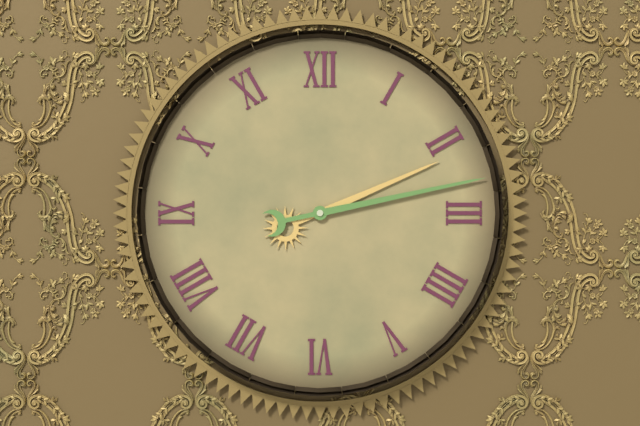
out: 2:13
